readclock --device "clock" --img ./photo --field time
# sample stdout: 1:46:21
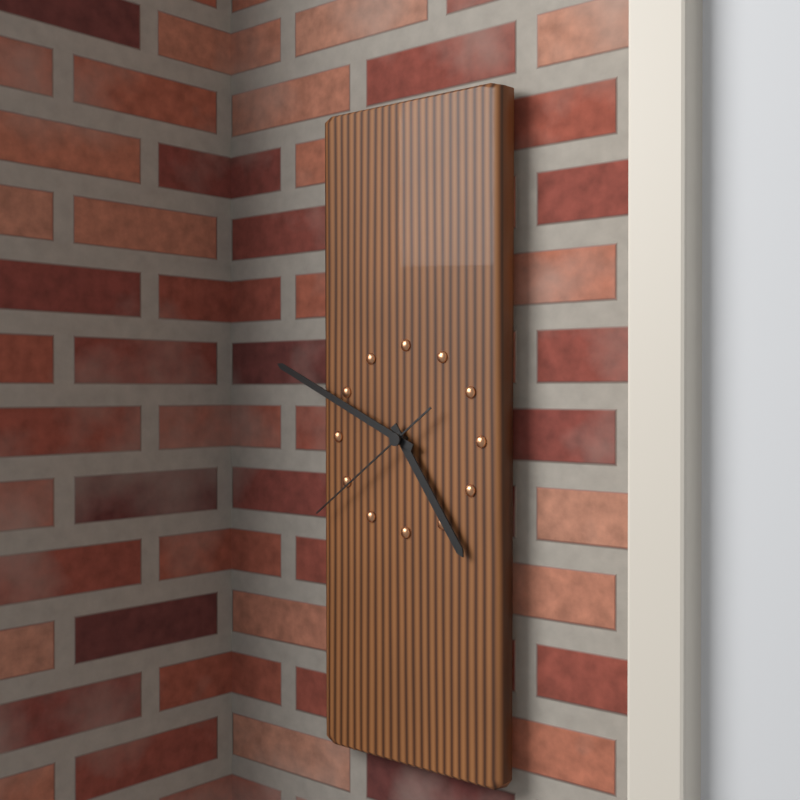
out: 4:49:39
